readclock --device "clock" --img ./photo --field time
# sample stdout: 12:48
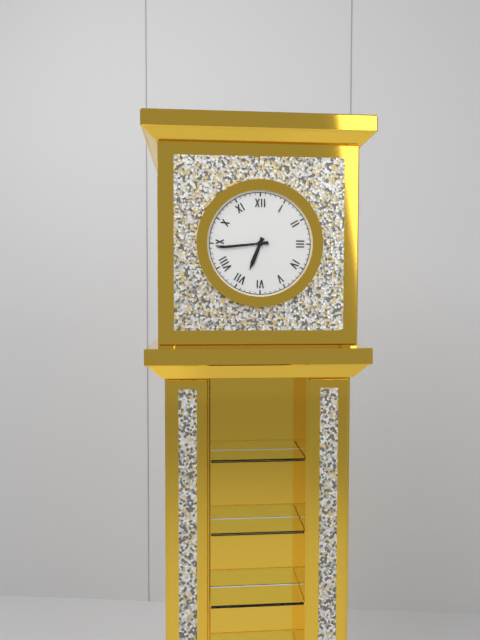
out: 6:44
